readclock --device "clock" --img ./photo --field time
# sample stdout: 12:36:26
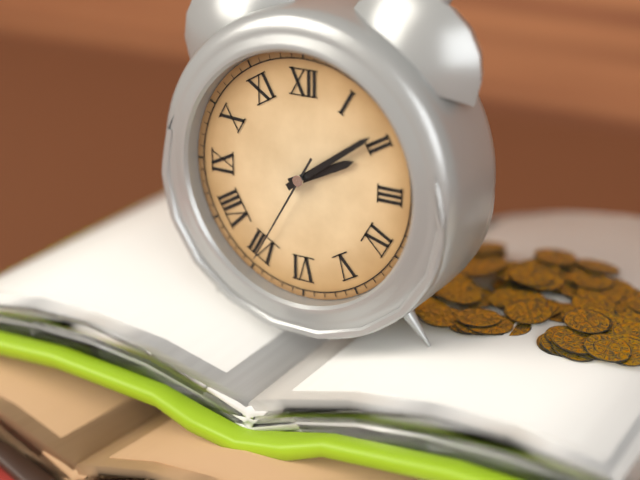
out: 2:09:35
